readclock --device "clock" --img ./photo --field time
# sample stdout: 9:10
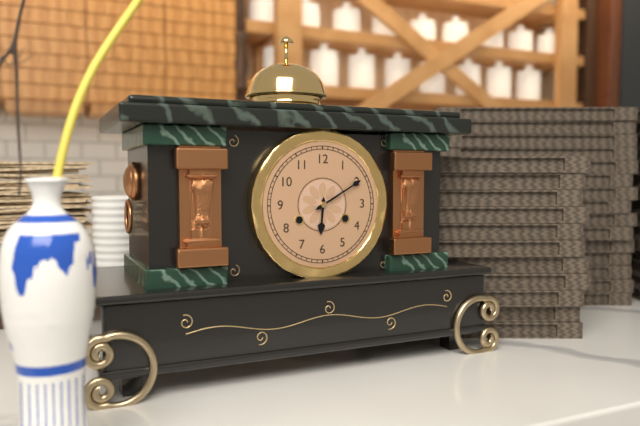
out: 6:10
